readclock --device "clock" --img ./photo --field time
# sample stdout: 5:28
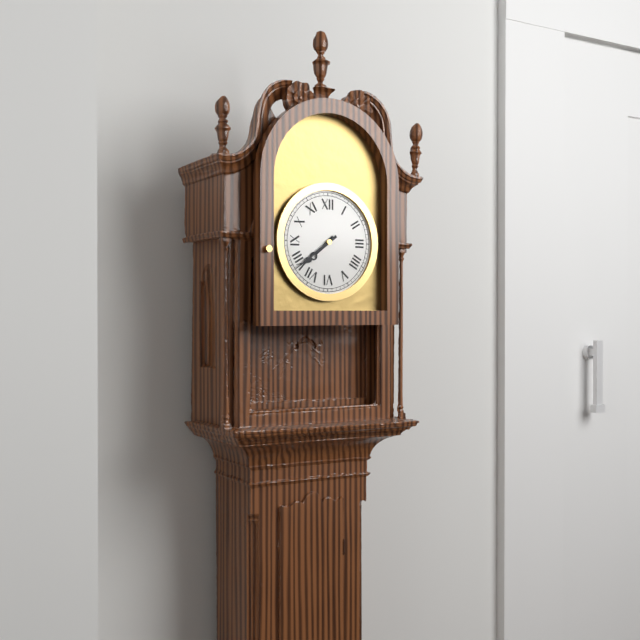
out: 7:39
